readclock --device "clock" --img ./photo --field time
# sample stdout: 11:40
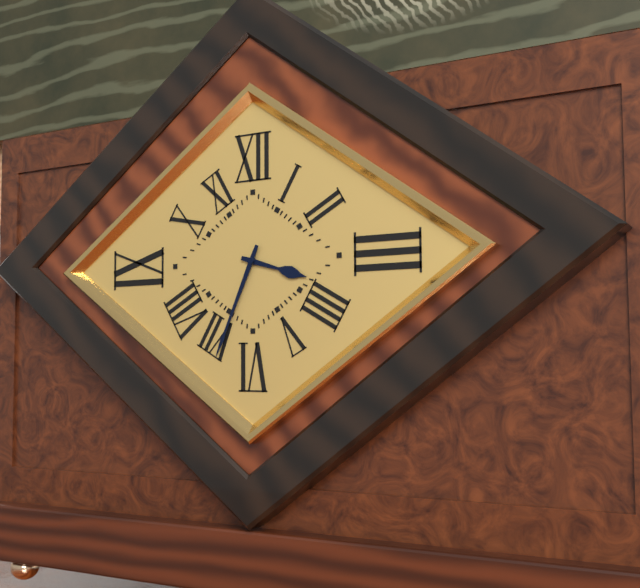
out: 3:34
